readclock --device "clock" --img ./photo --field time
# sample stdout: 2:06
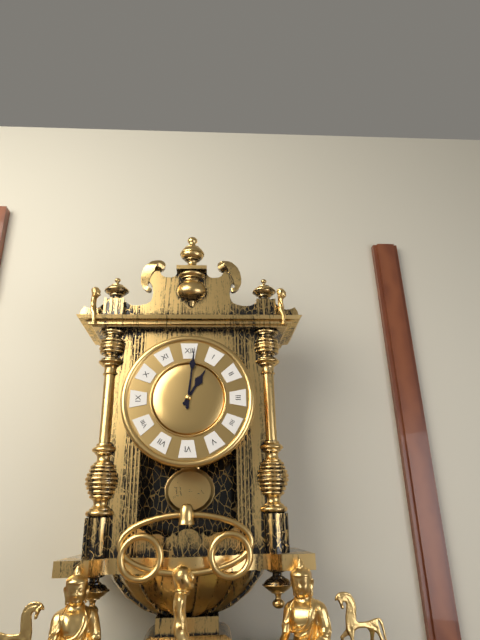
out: 1:01
